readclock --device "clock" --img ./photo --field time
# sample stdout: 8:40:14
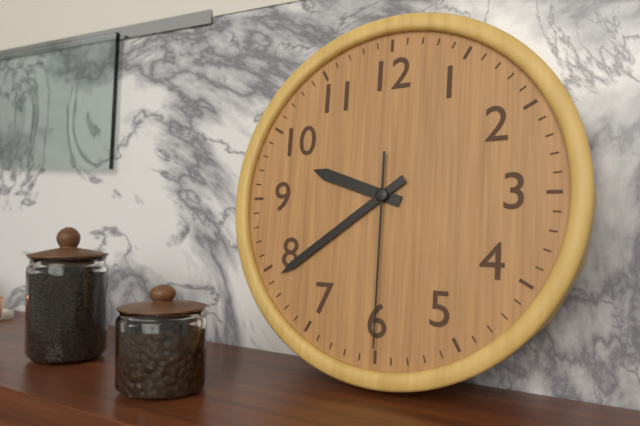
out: 9:39:30
